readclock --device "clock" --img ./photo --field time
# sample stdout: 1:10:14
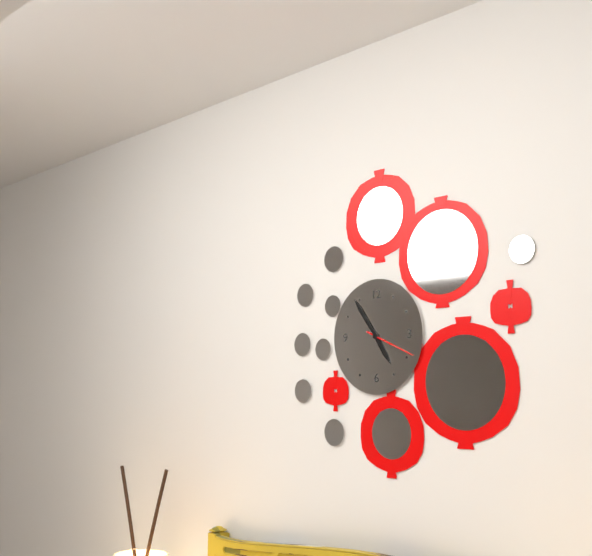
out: 4:54:19
